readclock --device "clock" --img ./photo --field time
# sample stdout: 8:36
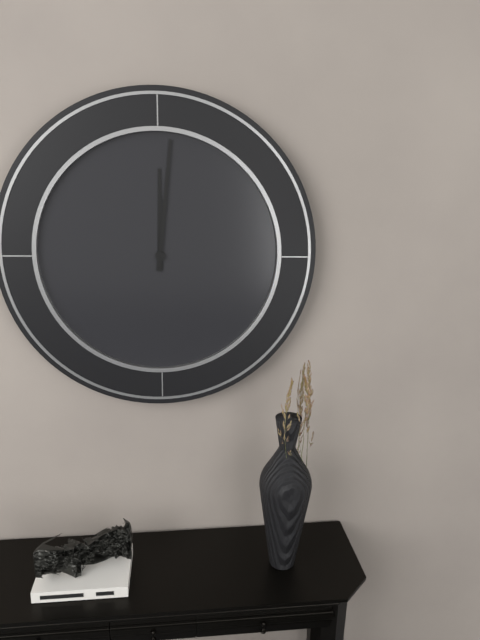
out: 12:01
